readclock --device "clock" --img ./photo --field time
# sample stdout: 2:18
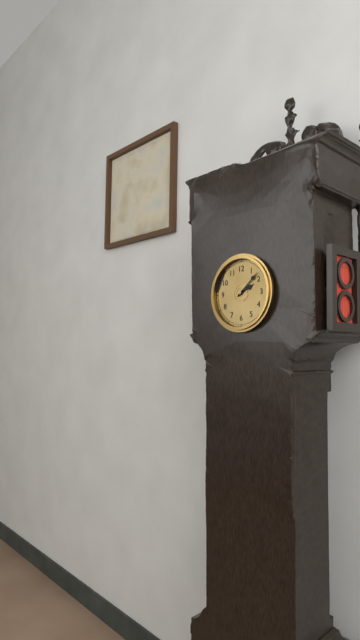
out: 2:08
